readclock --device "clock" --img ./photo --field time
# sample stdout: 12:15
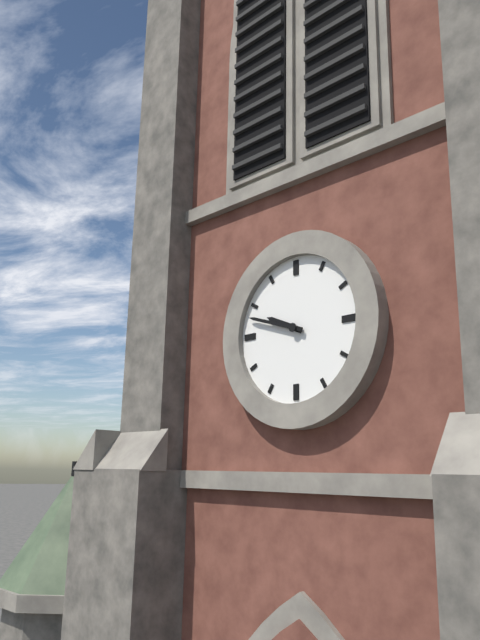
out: 9:48
